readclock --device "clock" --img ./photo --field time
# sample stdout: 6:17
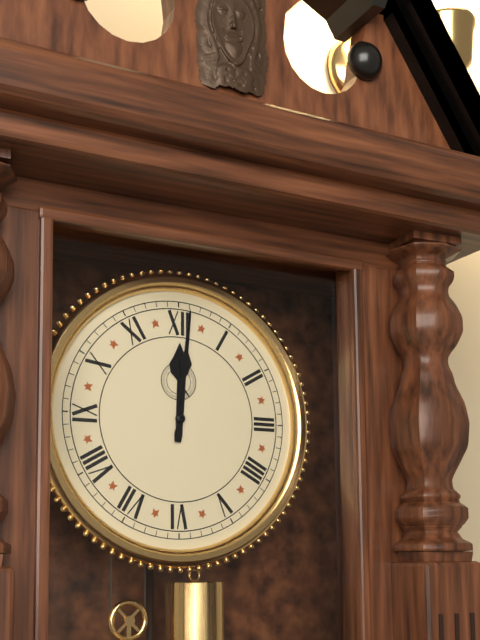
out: 12:01
